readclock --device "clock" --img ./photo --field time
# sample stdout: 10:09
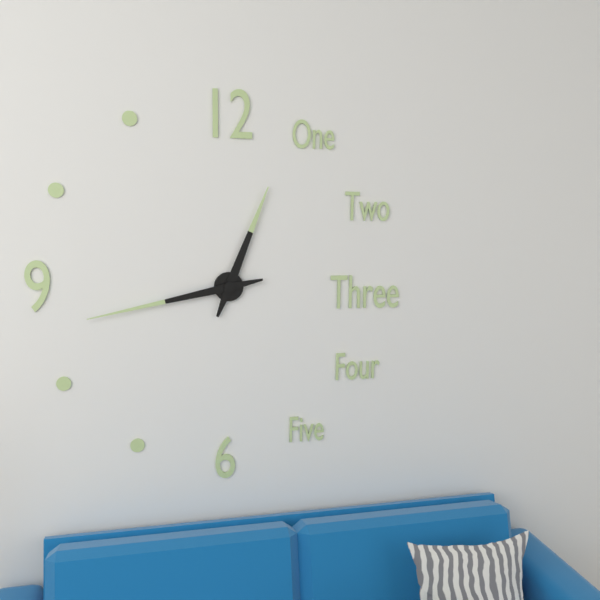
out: 12:43
